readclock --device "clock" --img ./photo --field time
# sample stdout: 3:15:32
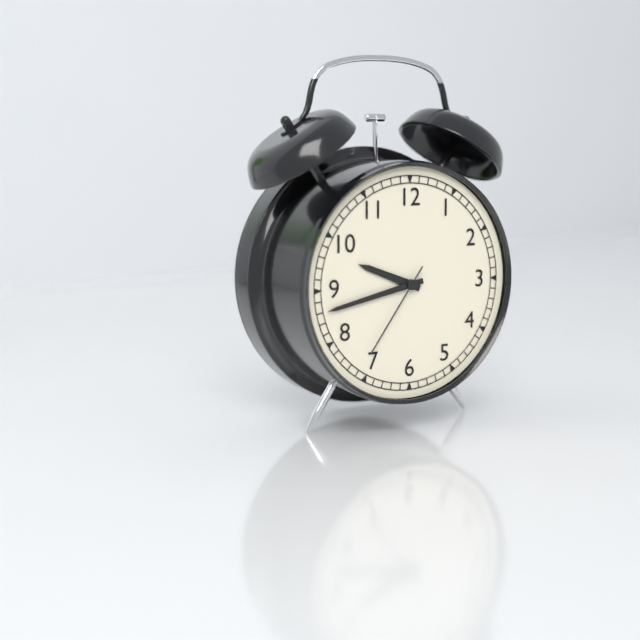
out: 9:43:36
